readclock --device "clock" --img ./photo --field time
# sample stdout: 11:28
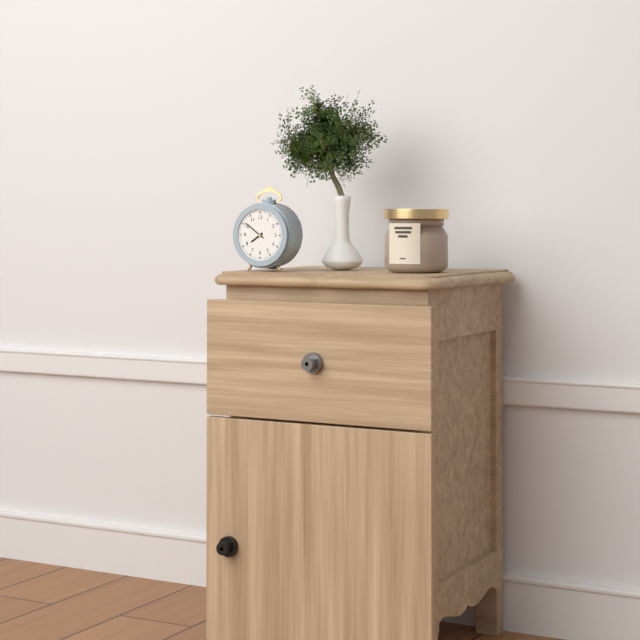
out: 7:51
